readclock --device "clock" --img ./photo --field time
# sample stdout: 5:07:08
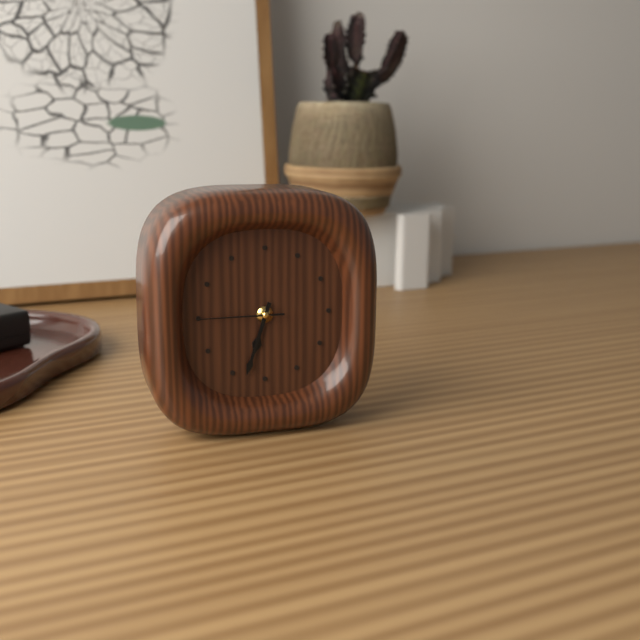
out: 6:33:45
